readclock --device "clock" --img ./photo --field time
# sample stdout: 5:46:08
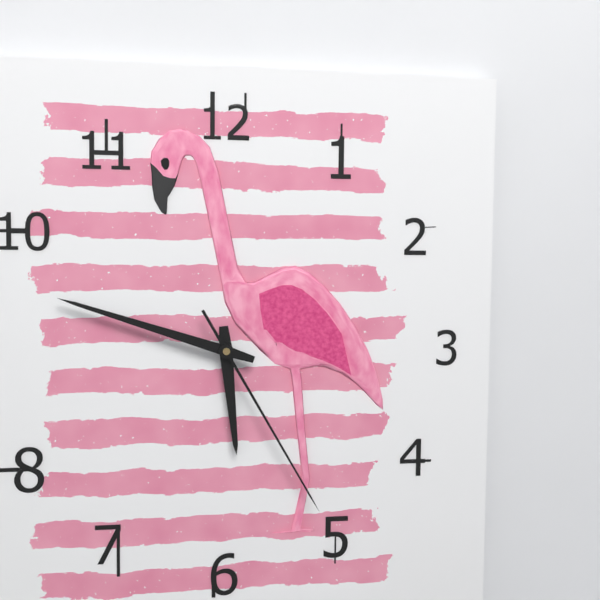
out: 5:48:25
